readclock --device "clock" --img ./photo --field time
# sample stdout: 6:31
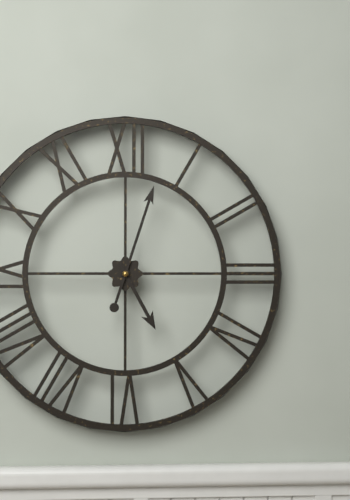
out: 5:03
